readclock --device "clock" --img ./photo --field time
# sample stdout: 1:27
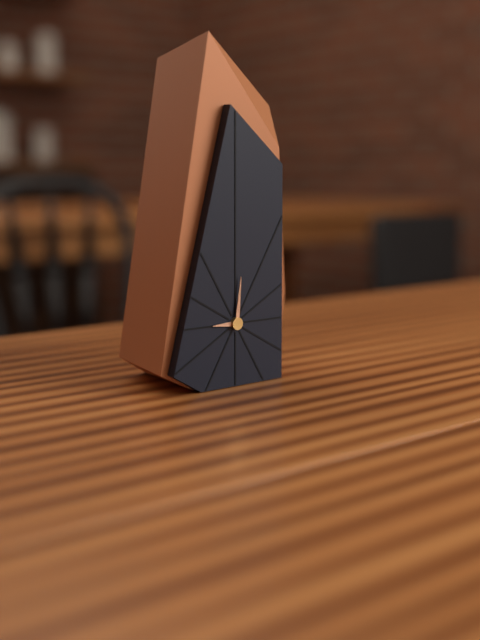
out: 9:01
